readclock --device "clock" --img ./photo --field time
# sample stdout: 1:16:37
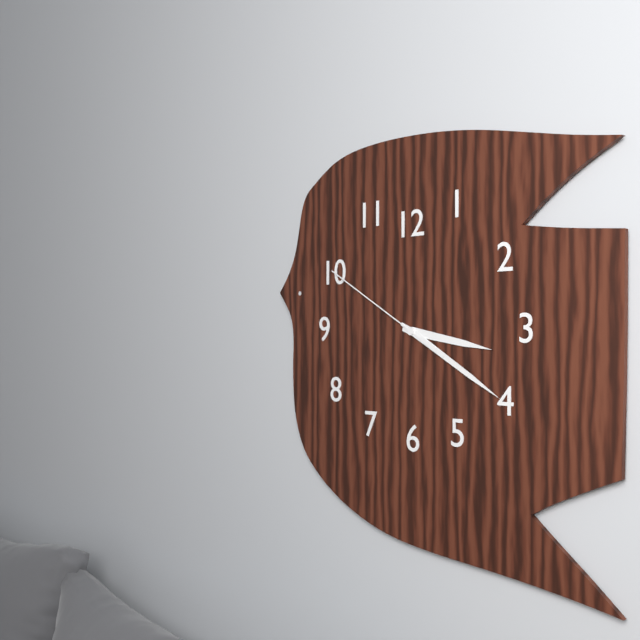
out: 3:20:50
